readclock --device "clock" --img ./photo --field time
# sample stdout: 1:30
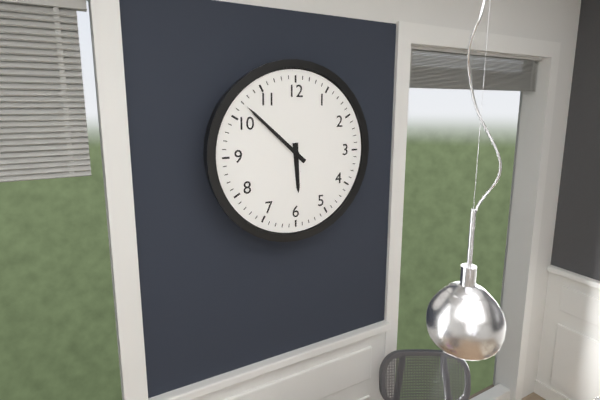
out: 5:52
